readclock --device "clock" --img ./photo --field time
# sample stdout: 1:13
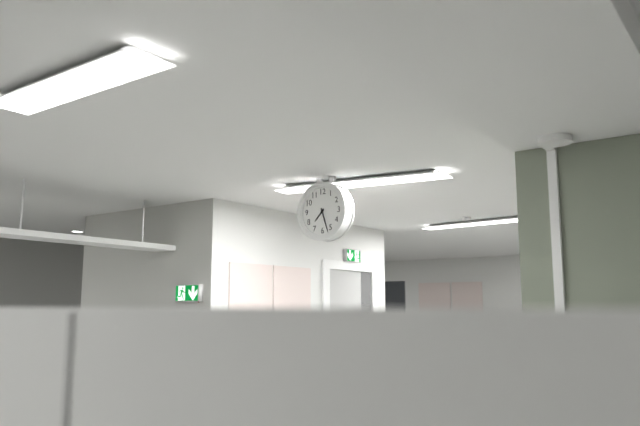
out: 7:27
